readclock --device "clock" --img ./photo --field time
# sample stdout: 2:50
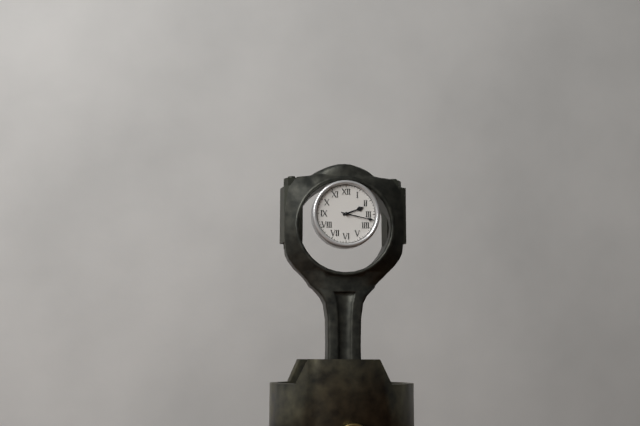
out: 2:17
